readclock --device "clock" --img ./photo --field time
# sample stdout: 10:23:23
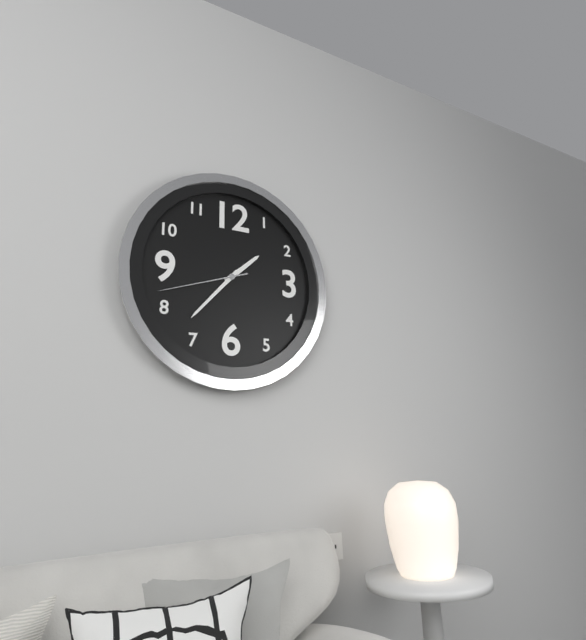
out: 1:37:42
